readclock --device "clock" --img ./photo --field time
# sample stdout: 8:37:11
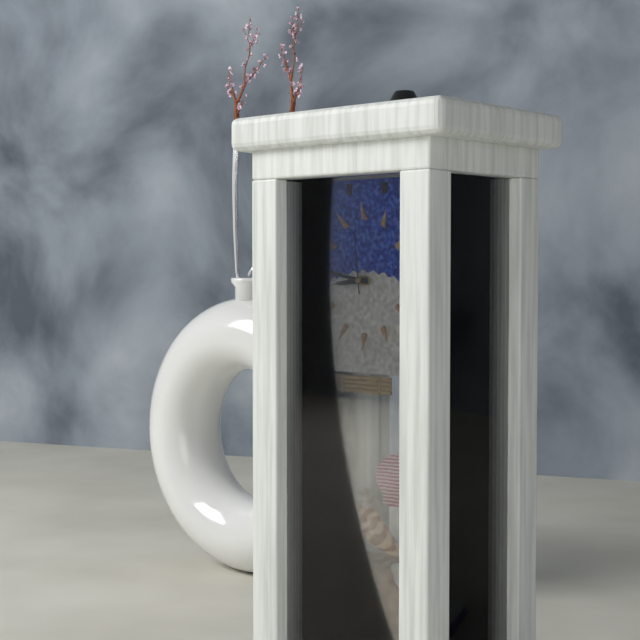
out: 8:47:59
